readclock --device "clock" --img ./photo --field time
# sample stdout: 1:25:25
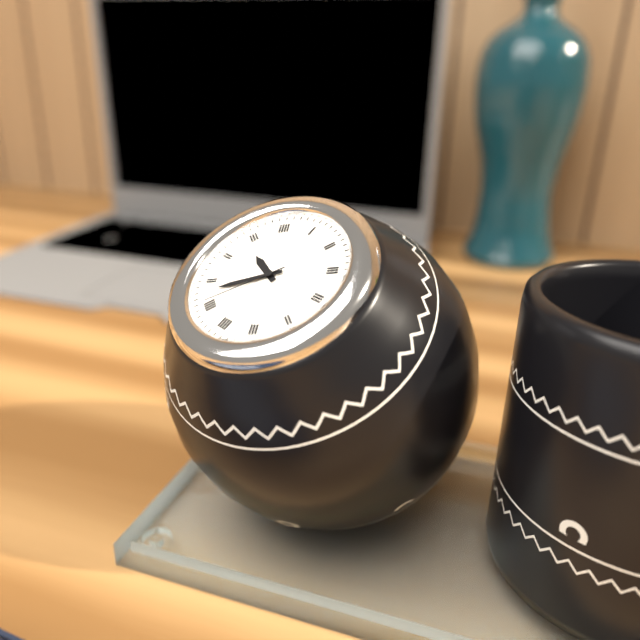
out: 10:43:41
